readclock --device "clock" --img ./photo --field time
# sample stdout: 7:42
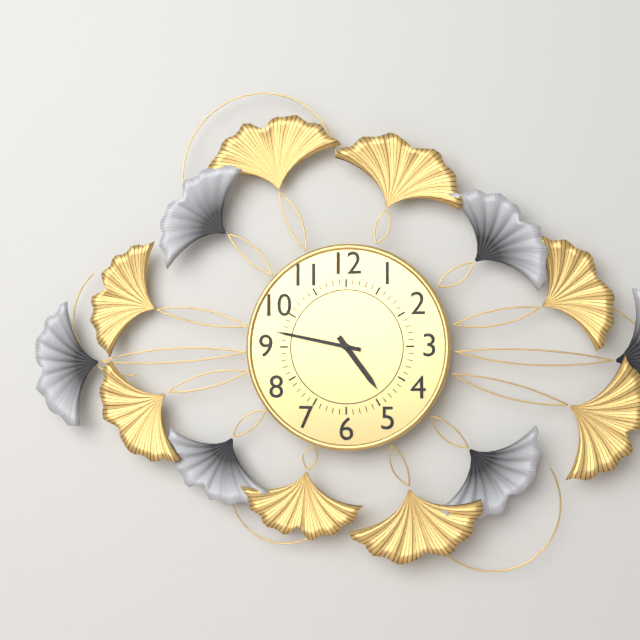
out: 4:47
